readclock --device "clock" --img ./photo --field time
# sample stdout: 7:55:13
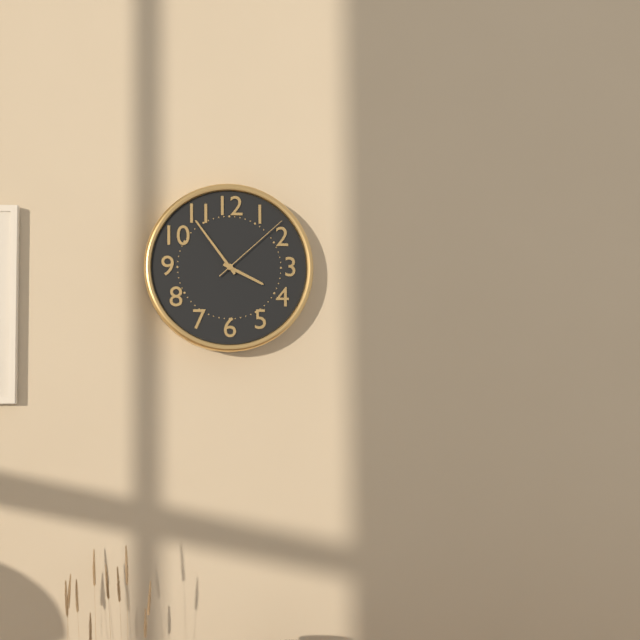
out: 3:54:08
